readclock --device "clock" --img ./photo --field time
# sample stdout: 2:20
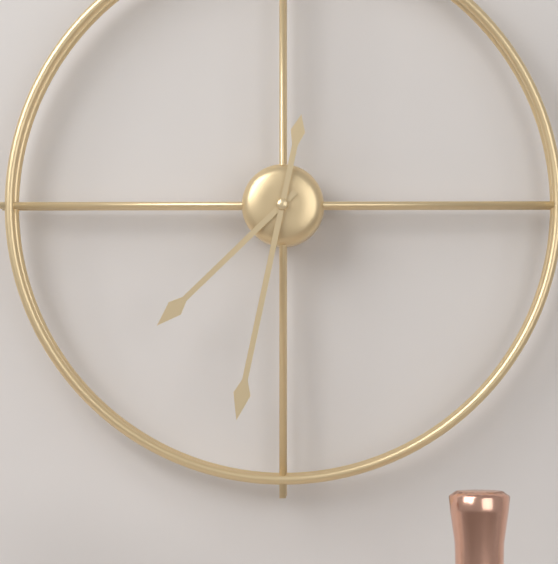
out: 7:32
